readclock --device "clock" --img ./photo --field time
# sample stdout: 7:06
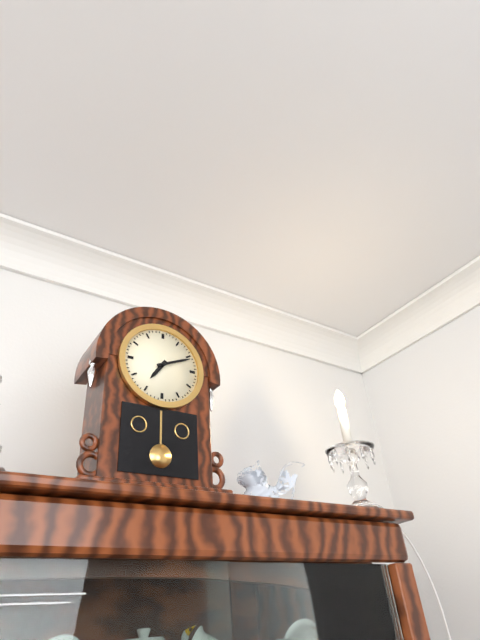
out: 7:11
